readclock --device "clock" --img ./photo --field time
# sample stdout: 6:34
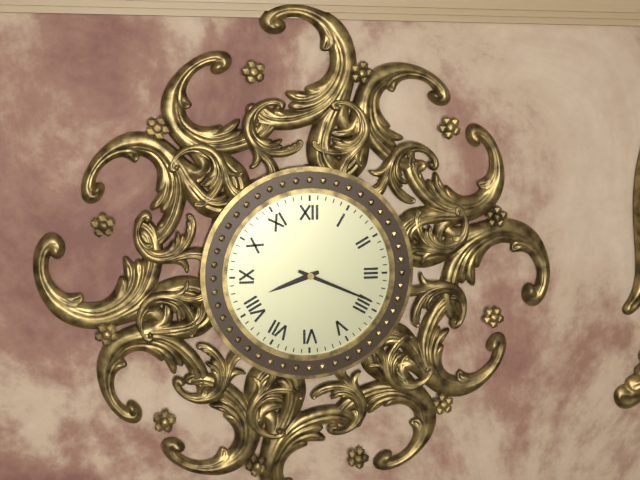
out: 8:19
